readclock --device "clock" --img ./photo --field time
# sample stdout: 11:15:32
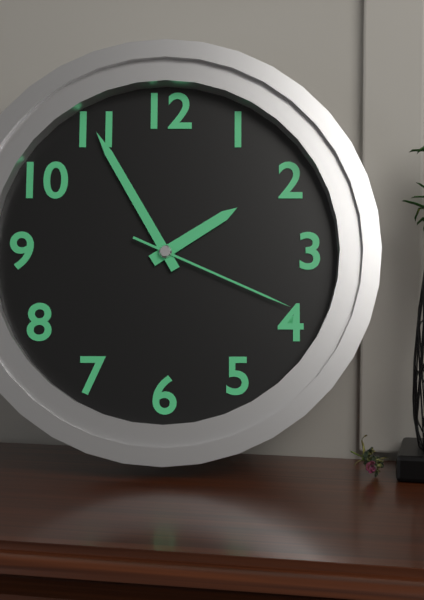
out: 1:55:19
